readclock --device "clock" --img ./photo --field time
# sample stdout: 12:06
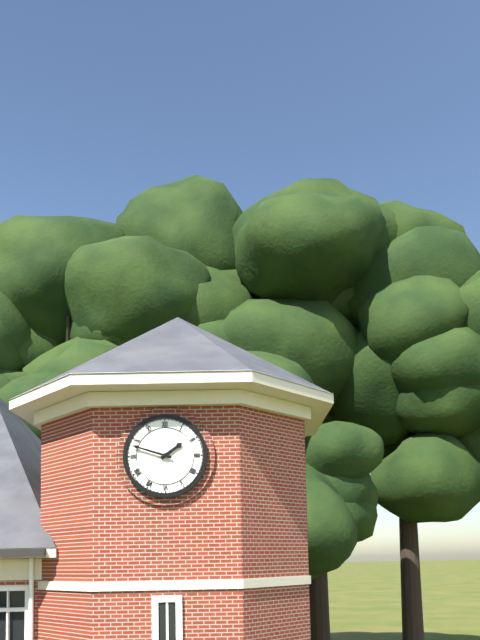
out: 1:48
